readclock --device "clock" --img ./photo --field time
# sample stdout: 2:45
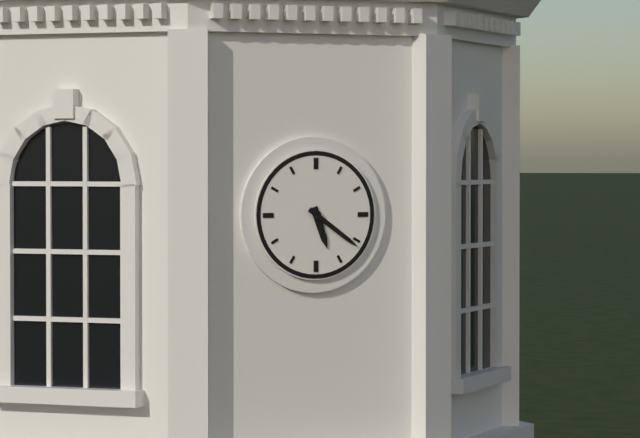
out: 5:21
